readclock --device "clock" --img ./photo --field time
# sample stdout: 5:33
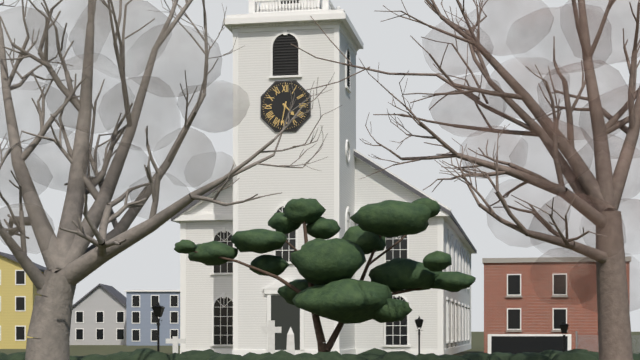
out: 4:32
